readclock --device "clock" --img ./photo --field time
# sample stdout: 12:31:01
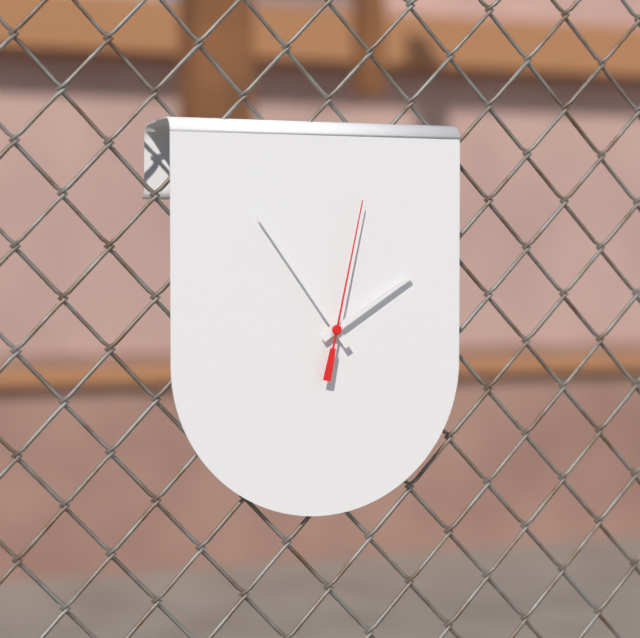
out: 1:54:02
